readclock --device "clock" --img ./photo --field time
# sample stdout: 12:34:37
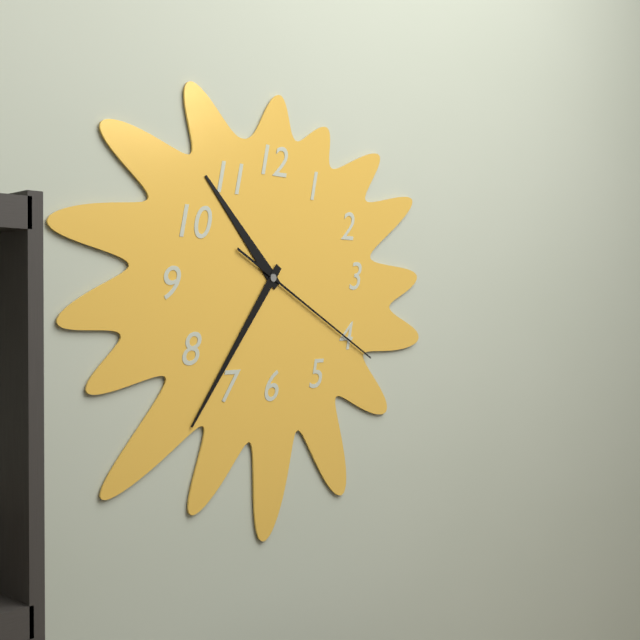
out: 10:36:20
